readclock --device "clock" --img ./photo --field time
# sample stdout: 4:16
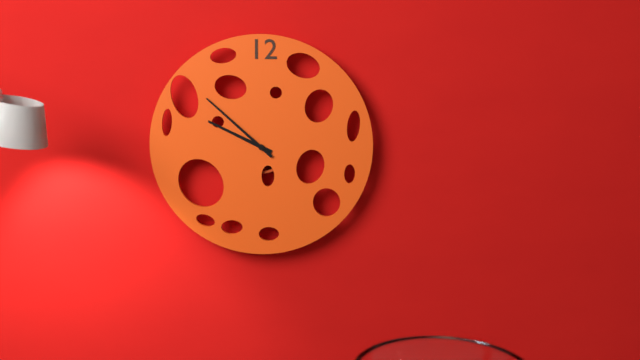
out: 9:52
